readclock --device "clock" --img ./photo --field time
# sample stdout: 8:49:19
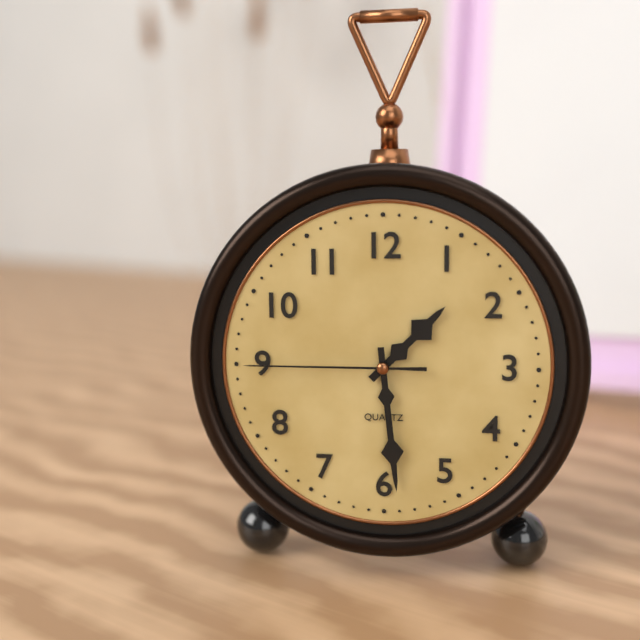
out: 1:29:45
